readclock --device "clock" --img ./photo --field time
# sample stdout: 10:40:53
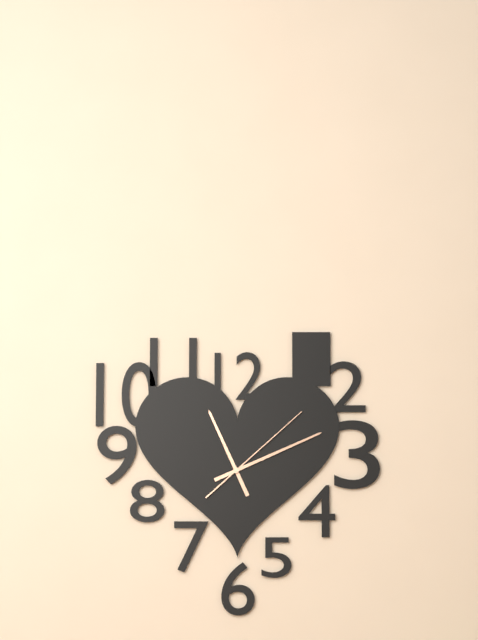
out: 11:11:08
